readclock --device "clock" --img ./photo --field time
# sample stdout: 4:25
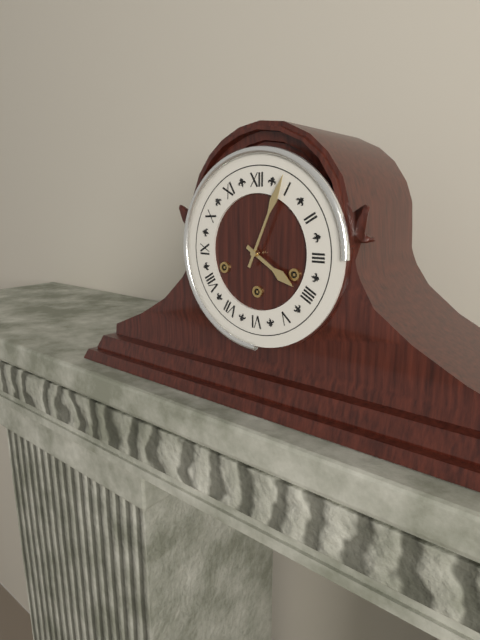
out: 4:04
